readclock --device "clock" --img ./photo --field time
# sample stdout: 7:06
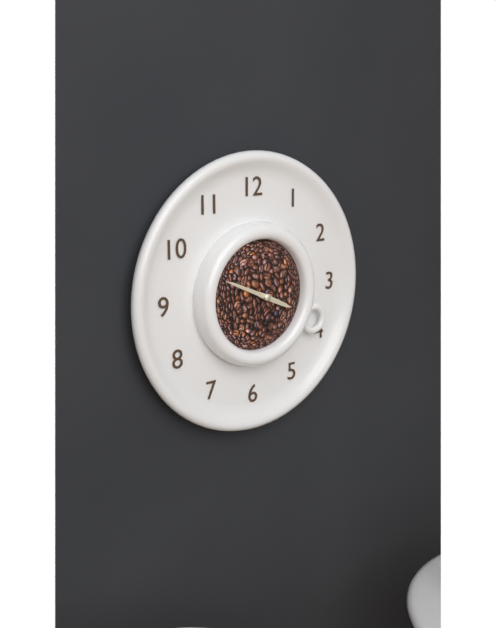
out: 3:49
